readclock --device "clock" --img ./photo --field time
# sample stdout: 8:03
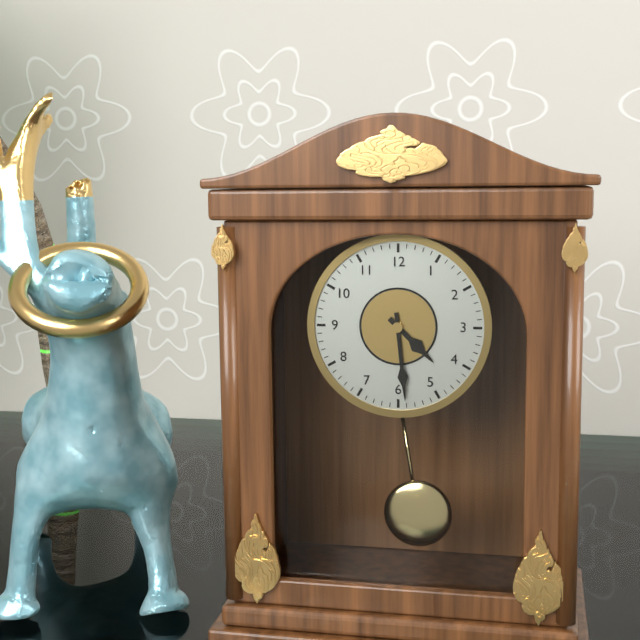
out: 4:29
